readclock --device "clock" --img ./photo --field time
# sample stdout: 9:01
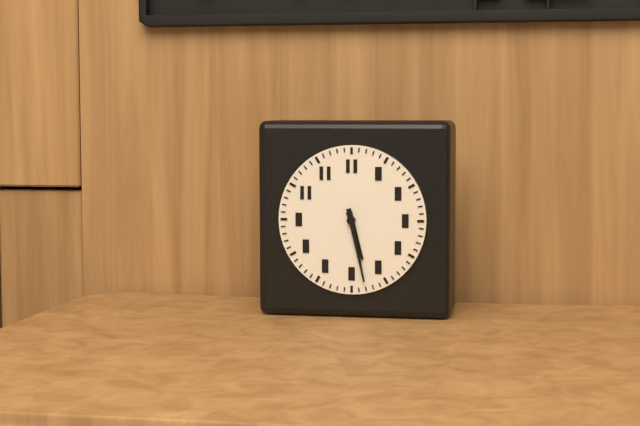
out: 5:28
